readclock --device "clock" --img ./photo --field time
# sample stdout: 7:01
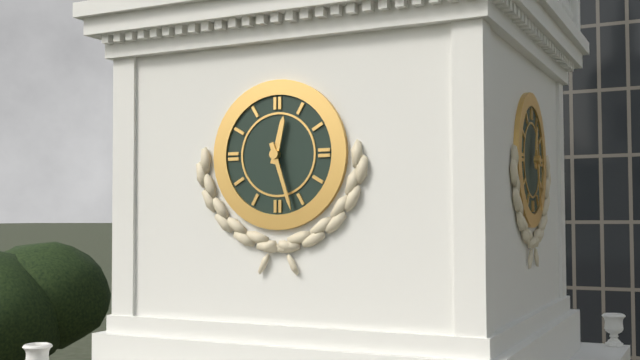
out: 12:27
